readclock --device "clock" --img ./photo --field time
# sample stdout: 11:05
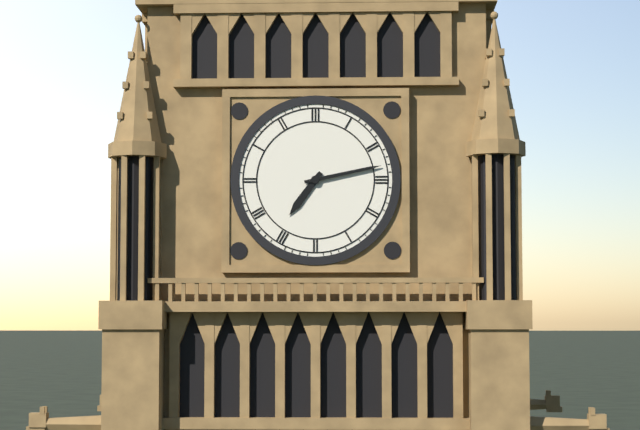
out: 7:13
